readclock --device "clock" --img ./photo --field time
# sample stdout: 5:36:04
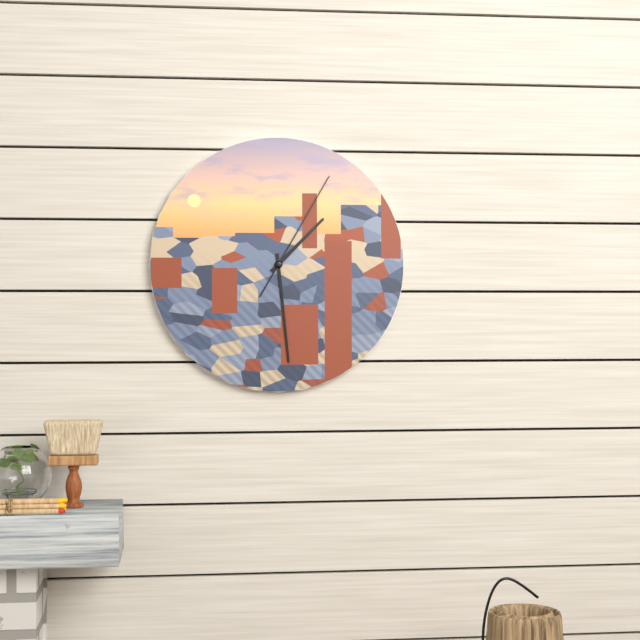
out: 1:29:05
